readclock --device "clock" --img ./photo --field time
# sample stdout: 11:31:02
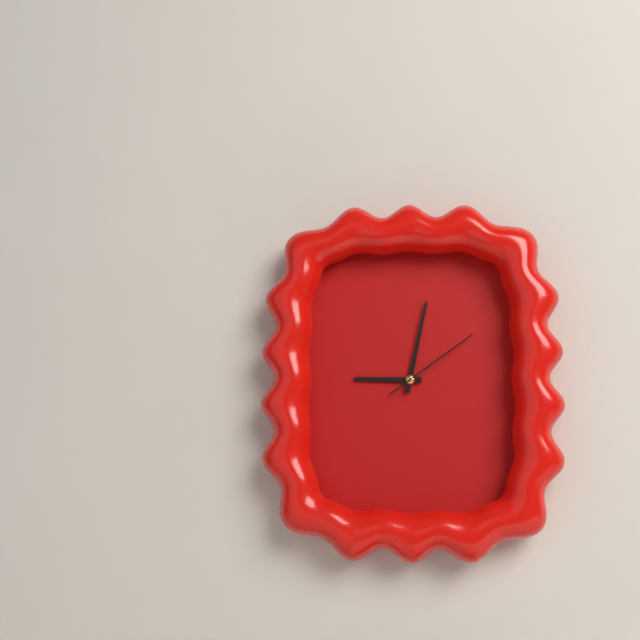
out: 9:02:09
